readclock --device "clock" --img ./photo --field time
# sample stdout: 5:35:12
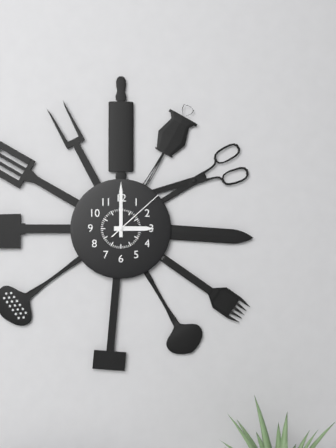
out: 3:00:08
